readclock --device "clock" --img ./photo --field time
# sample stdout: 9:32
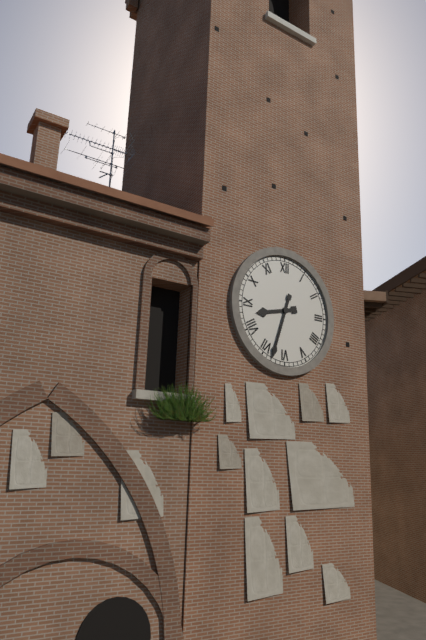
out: 8:33
